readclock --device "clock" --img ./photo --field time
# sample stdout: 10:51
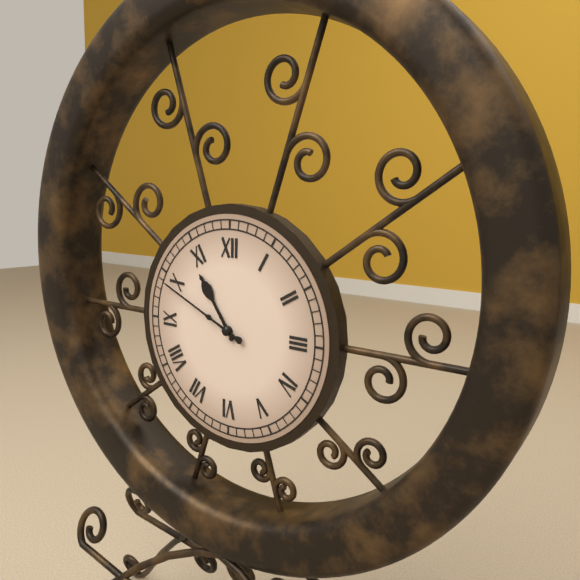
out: 10:49
